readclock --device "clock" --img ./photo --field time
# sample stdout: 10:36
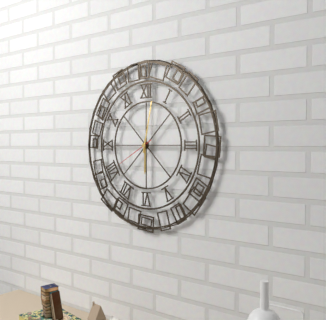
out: 6:02
